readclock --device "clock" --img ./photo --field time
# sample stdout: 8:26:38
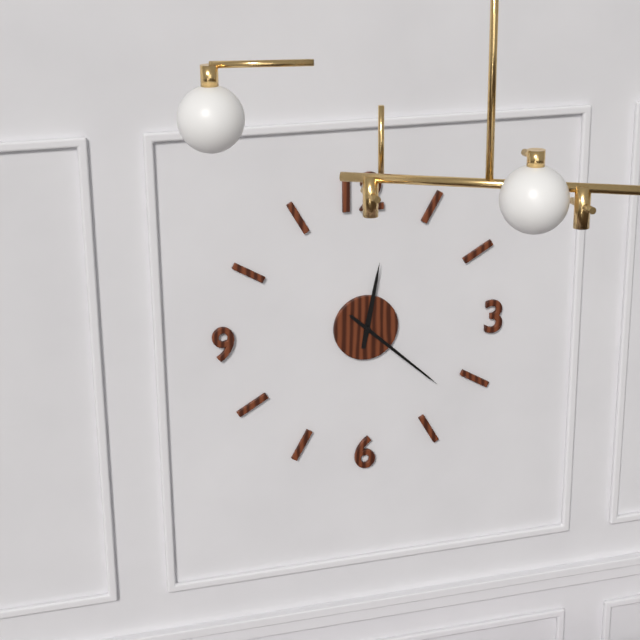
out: 12:22:22
